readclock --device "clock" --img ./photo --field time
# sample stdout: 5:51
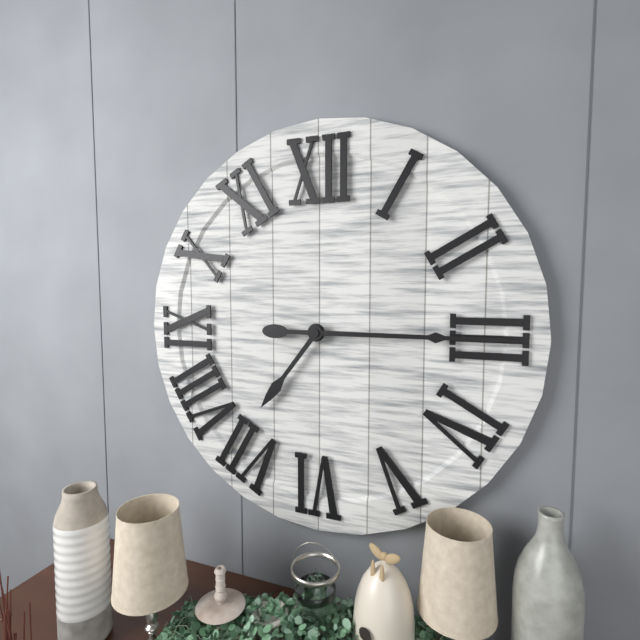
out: 7:15
